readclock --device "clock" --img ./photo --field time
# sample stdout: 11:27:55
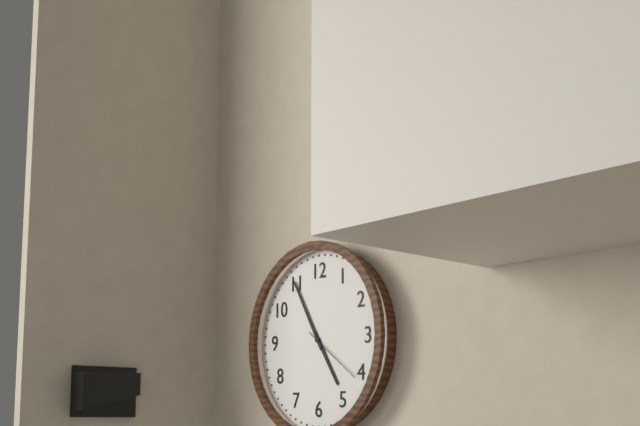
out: 4:55:21
